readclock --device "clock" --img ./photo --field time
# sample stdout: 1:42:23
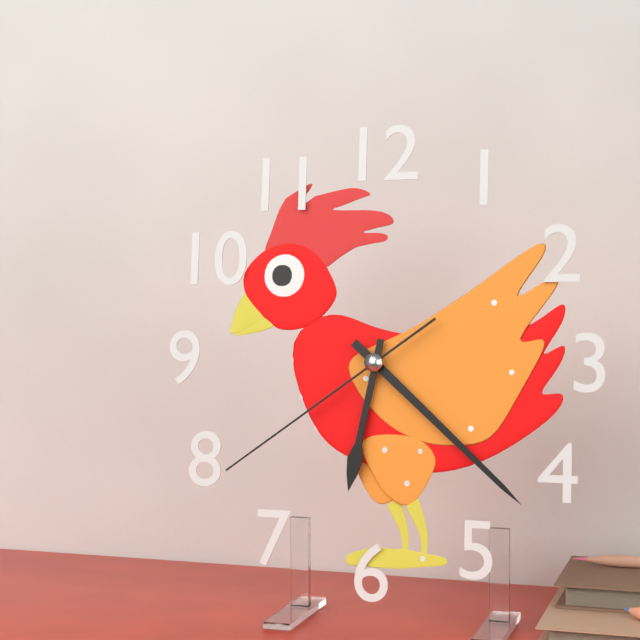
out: 6:22:39
